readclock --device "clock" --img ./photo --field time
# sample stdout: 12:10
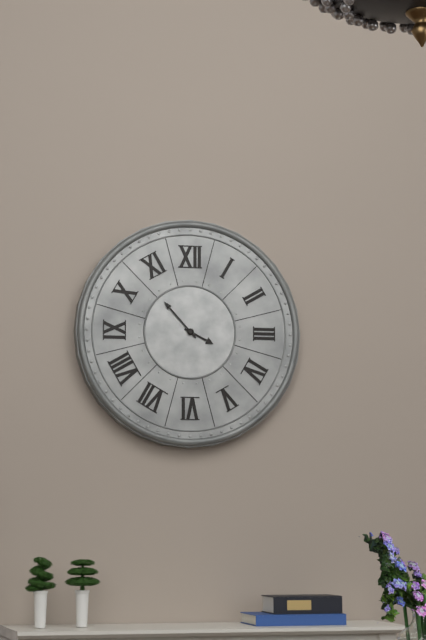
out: 3:53
